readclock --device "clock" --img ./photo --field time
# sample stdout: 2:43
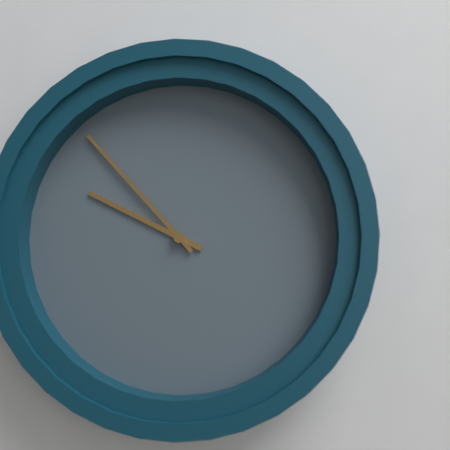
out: 9:53
